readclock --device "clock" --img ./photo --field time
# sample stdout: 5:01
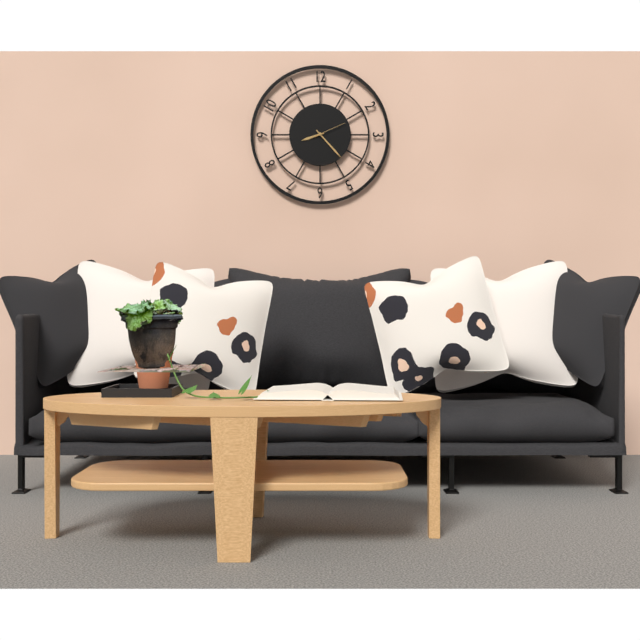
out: 8:23
